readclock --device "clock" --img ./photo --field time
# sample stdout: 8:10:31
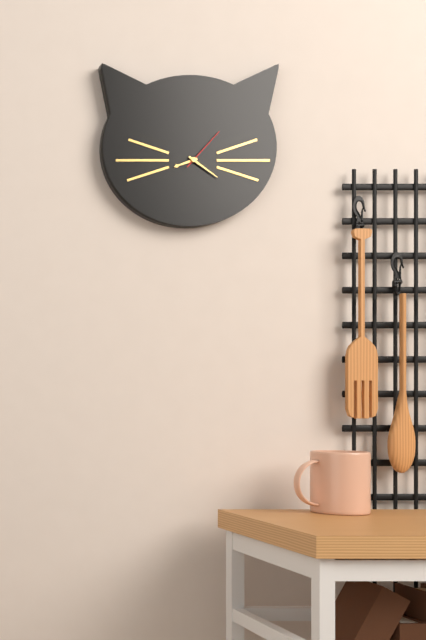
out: 8:21:07
